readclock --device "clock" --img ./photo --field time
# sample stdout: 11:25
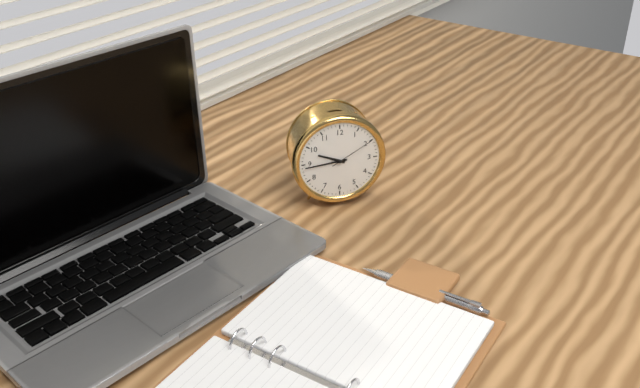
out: 9:44
